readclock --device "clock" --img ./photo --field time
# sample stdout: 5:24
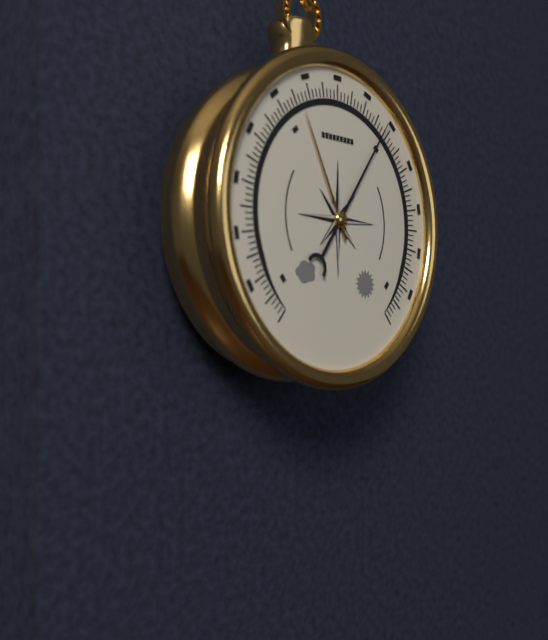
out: 11:06
